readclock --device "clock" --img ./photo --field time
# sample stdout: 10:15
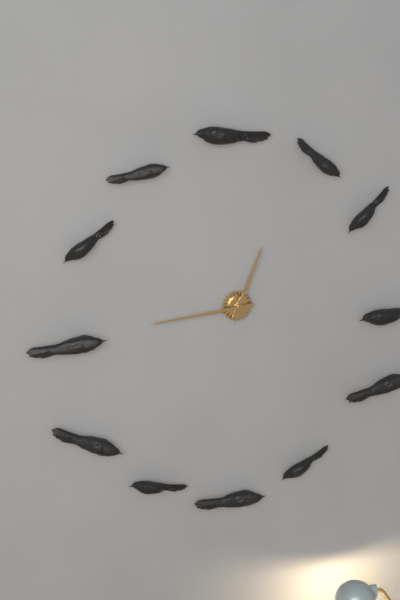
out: 12:44
